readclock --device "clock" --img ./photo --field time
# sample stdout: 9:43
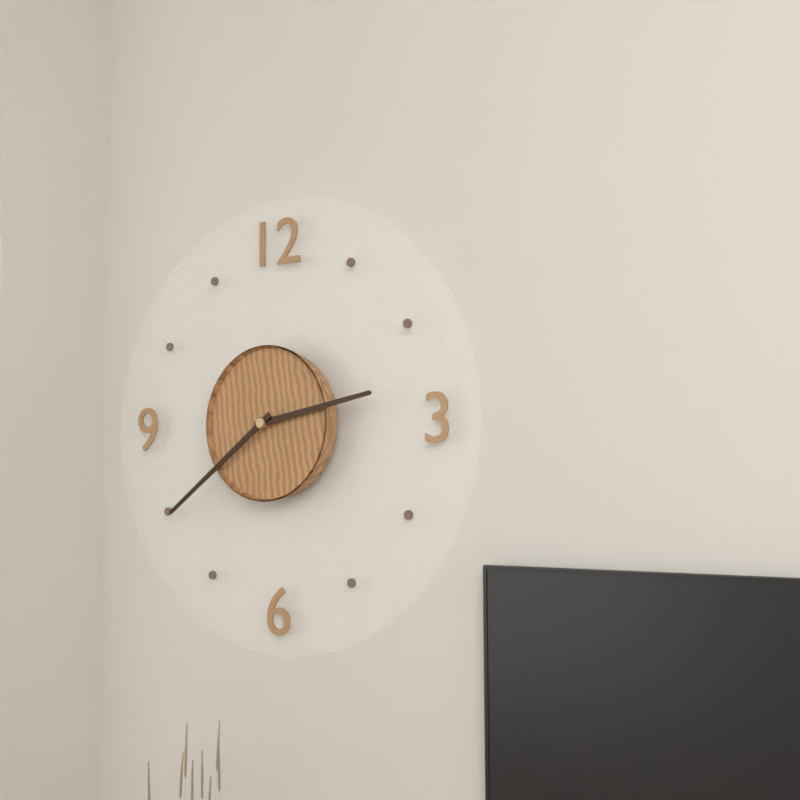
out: 2:39
